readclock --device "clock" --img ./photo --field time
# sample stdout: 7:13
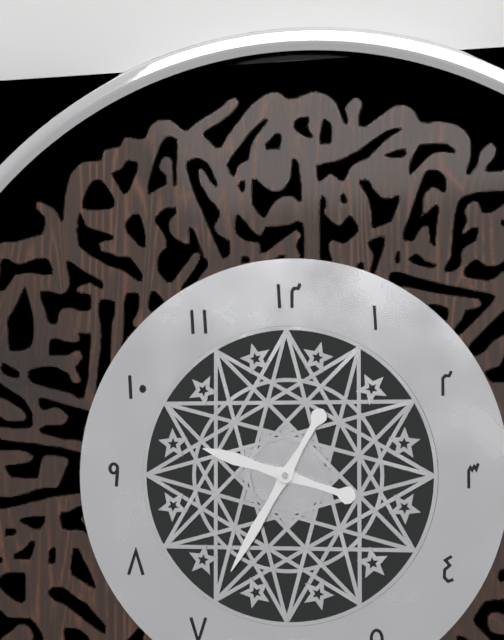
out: 9:35
